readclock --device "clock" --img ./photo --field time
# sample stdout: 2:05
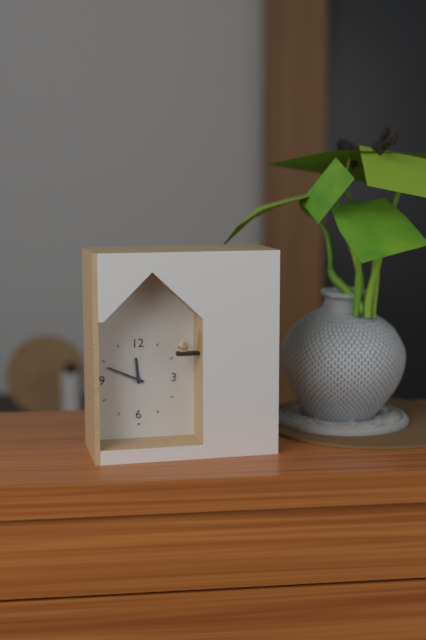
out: 11:49
